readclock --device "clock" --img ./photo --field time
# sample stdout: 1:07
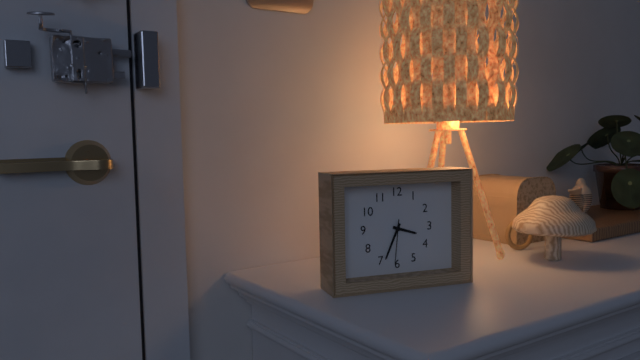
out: 3:34
